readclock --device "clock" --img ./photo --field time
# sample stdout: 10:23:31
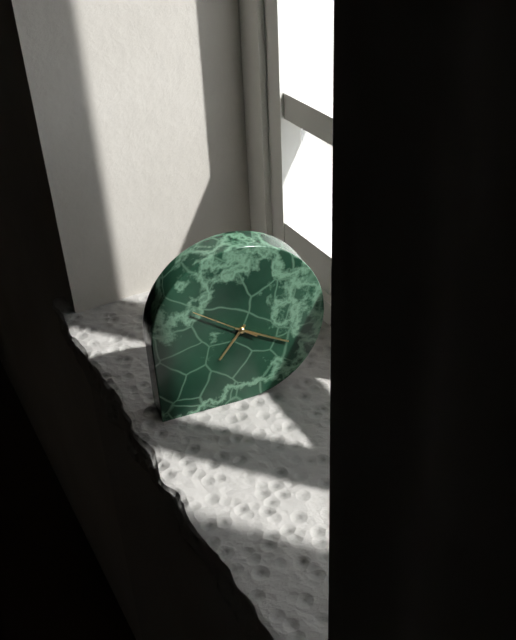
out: 7:20:51
